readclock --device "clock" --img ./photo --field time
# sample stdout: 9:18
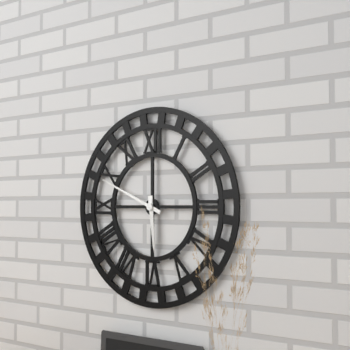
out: 5:49
